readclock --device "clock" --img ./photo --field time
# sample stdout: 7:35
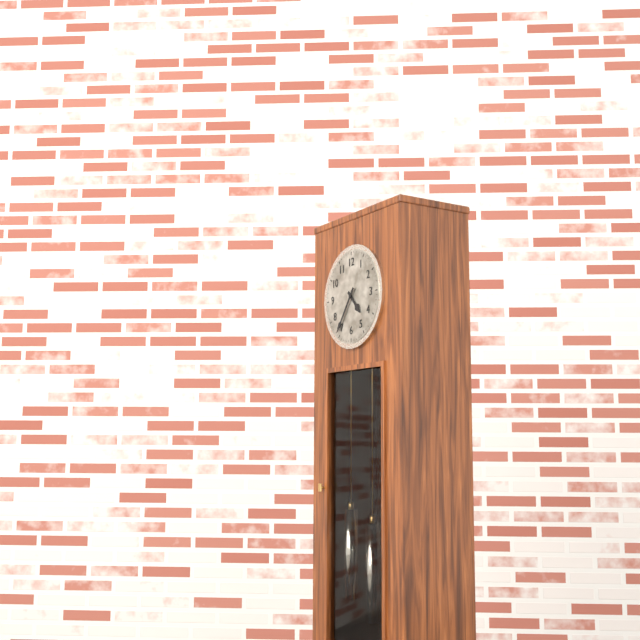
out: 4:36
